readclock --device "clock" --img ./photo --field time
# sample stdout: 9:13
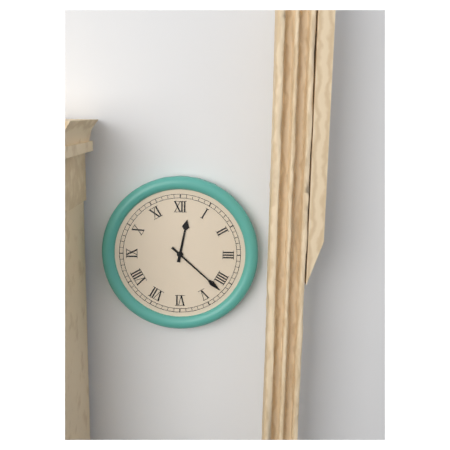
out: 12:22
